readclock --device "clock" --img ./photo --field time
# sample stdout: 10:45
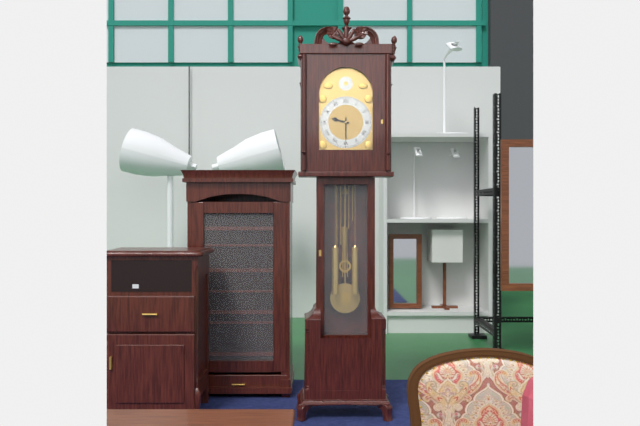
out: 9:30
